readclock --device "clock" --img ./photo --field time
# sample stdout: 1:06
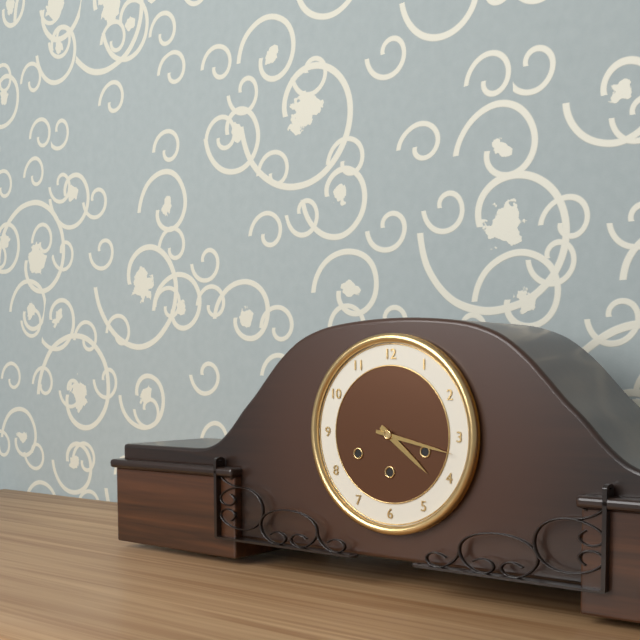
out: 4:17
